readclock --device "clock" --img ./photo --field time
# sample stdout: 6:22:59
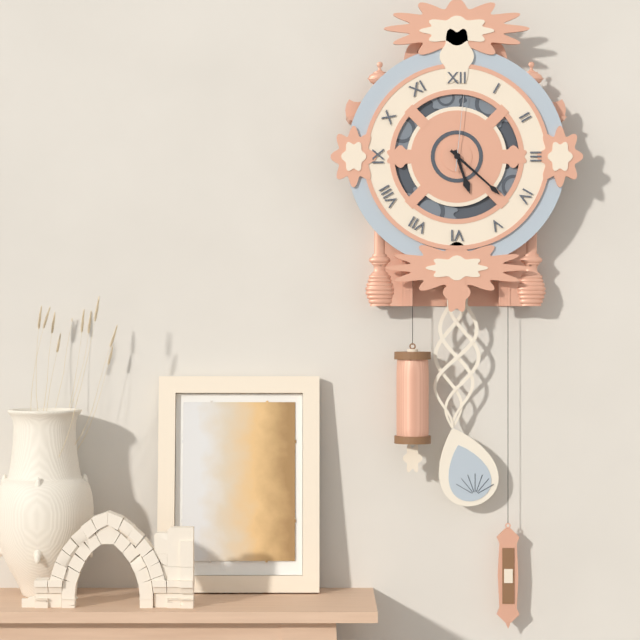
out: 5:22:01
